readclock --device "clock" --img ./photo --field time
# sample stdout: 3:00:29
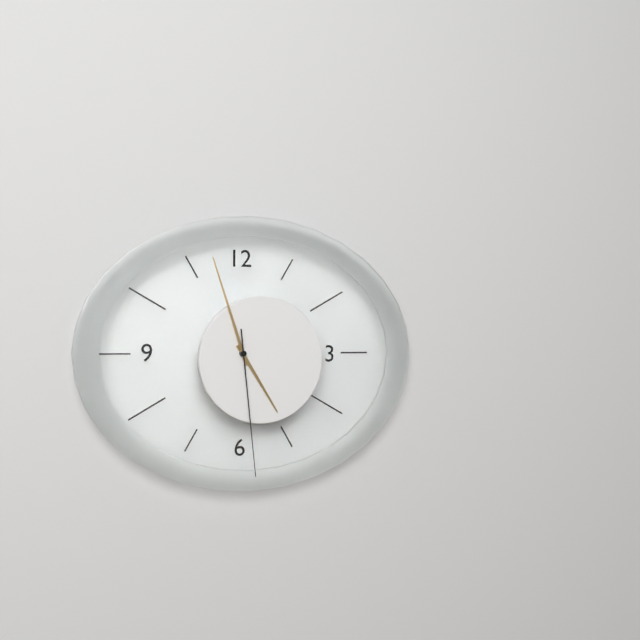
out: 4:57:29
